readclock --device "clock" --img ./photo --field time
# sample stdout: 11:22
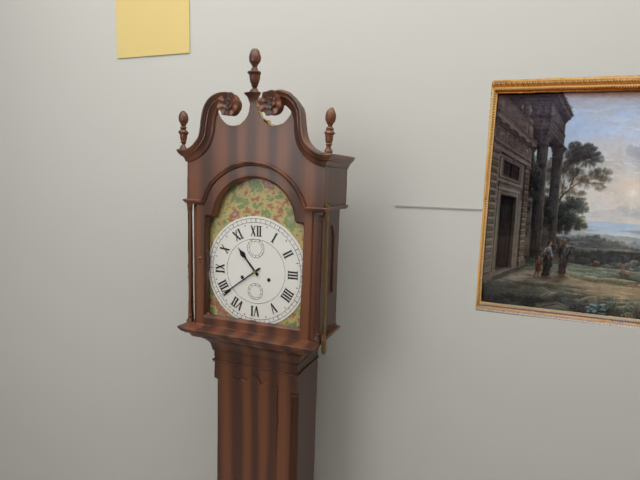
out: 10:39
